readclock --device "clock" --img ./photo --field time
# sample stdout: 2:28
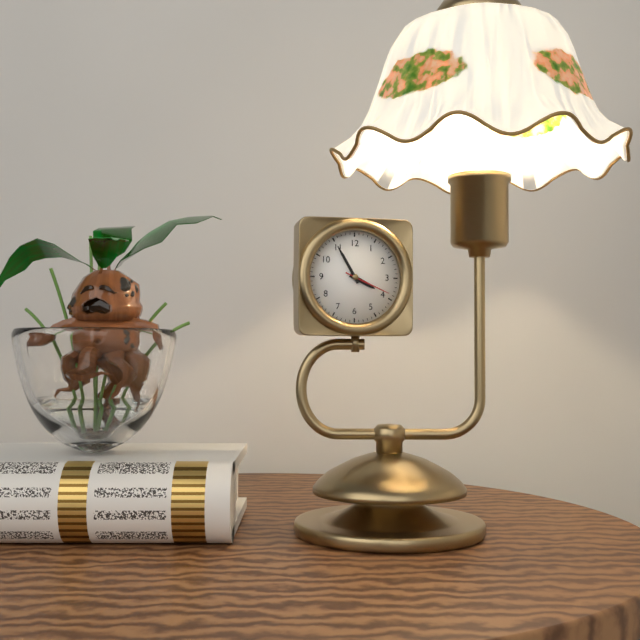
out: 3:55
